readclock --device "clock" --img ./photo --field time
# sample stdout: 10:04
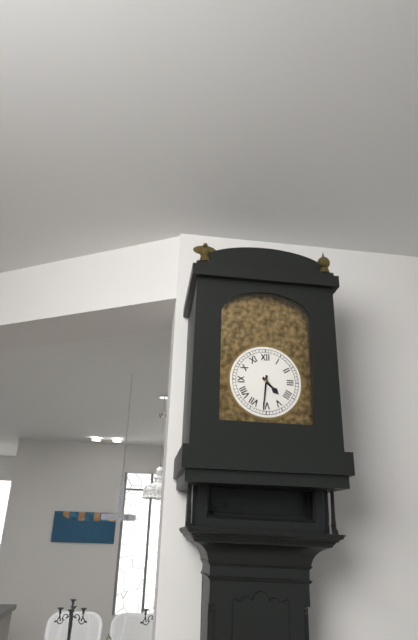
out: 4:31
